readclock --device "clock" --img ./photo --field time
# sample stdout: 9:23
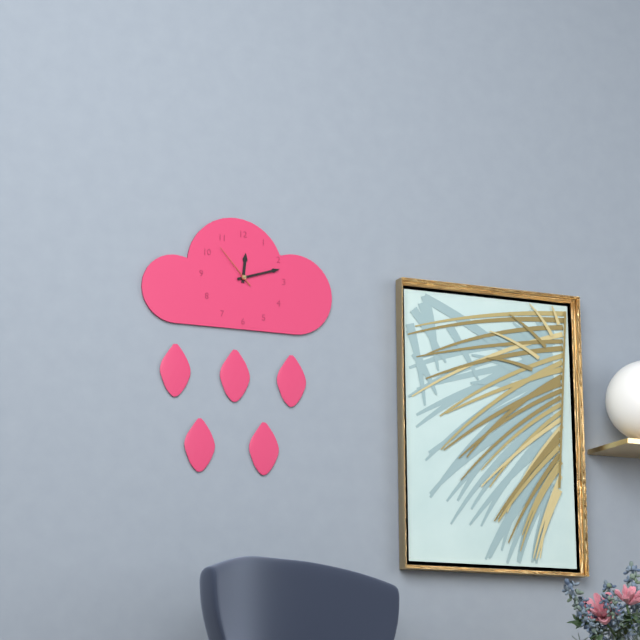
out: 12:12
